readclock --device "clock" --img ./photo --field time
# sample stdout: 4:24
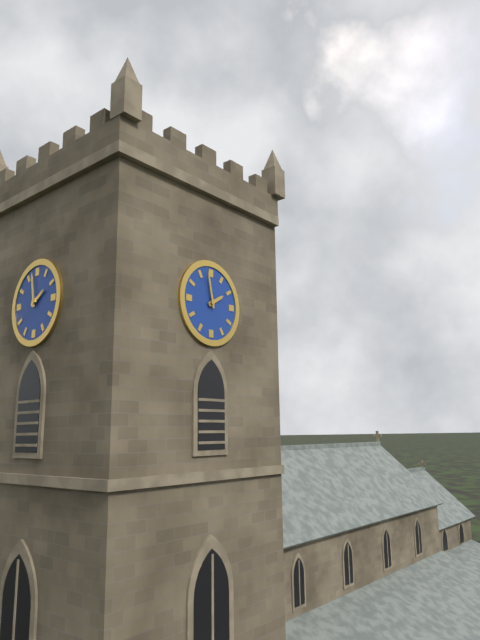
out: 1:58
